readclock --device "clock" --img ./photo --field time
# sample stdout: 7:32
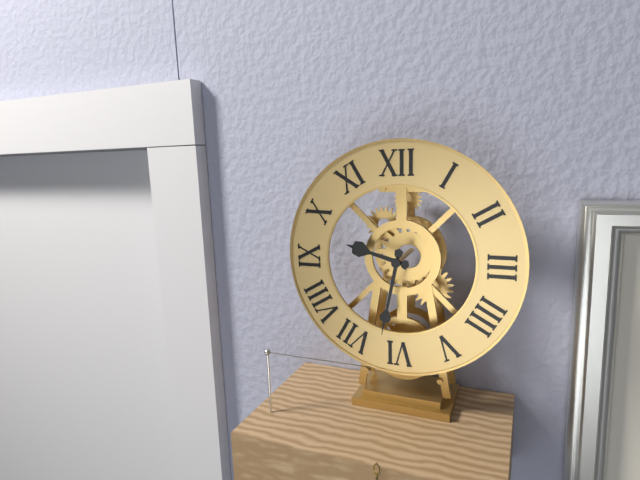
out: 9:32
